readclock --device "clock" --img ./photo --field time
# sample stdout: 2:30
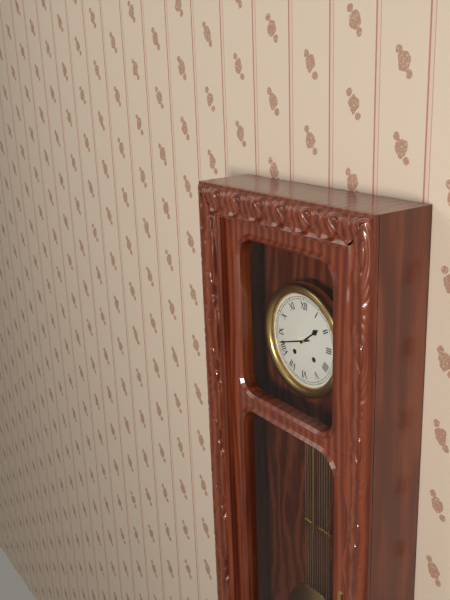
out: 1:42
